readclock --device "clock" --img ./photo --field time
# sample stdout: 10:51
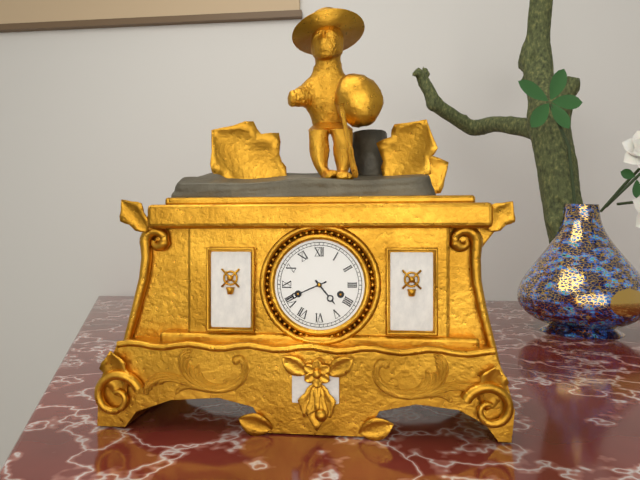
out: 4:41
